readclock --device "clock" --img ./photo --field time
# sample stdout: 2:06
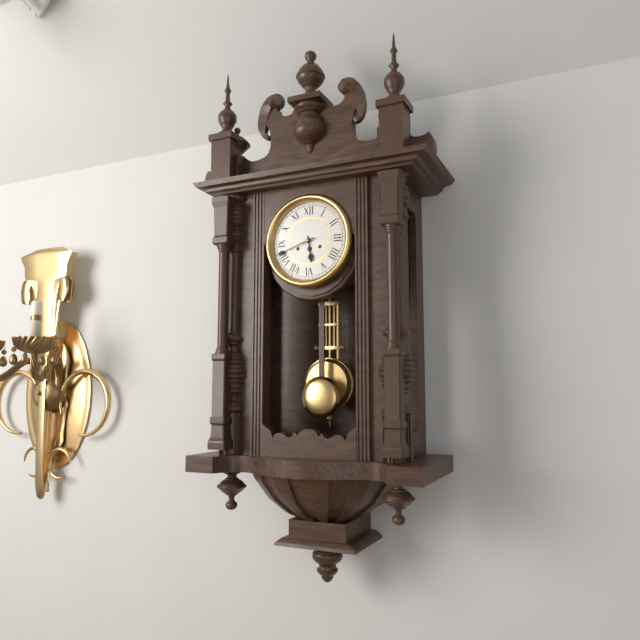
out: 5:42
